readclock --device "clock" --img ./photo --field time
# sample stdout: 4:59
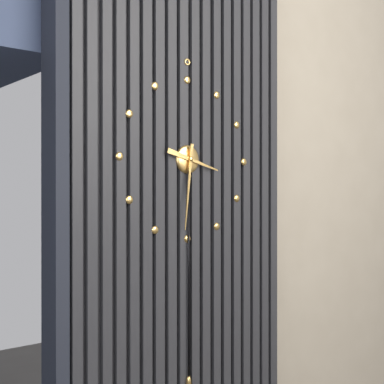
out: 3:31
